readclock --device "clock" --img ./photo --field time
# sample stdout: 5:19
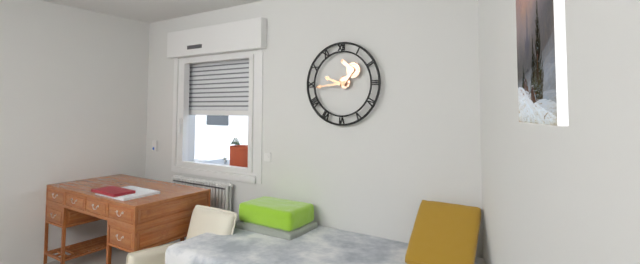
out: 9:44
